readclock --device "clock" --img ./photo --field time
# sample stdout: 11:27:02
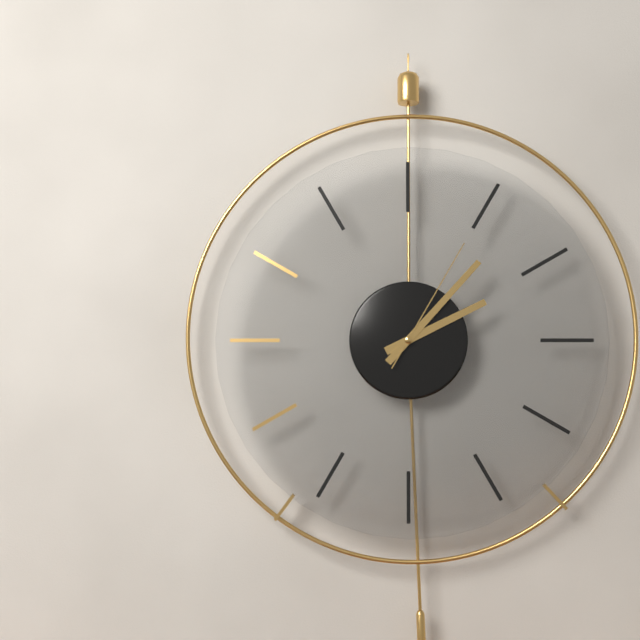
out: 2:07:05
